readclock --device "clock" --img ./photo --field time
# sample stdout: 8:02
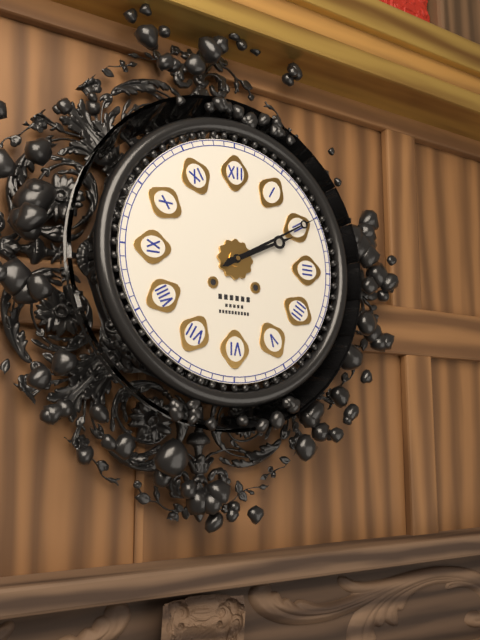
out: 2:10
